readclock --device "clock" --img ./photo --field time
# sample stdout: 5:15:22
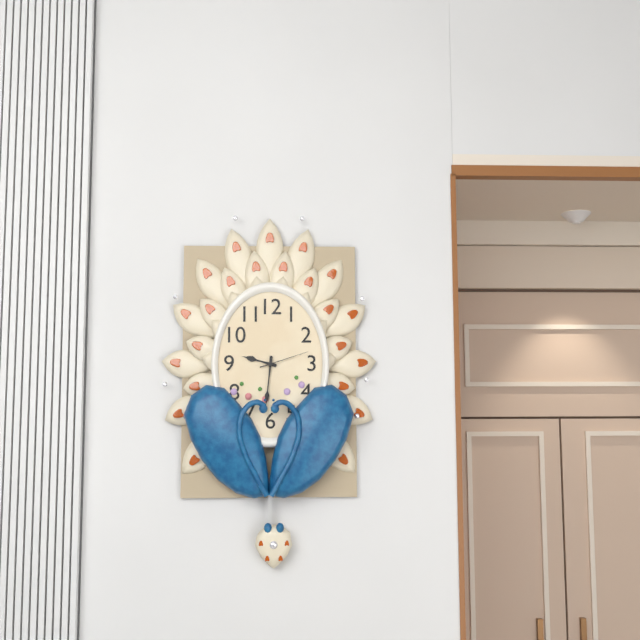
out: 9:31:12
